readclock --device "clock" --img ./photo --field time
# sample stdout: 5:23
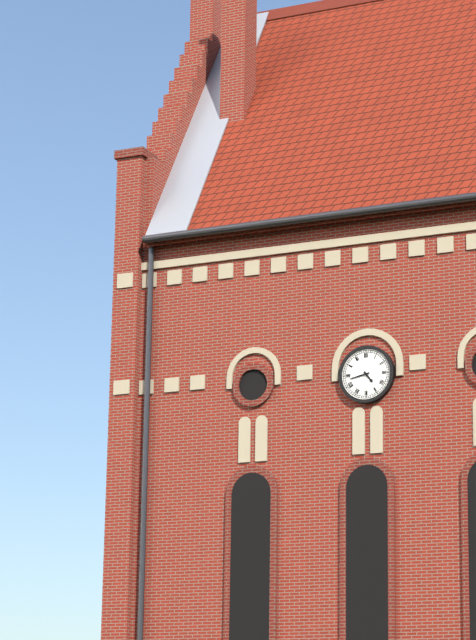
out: 4:43
